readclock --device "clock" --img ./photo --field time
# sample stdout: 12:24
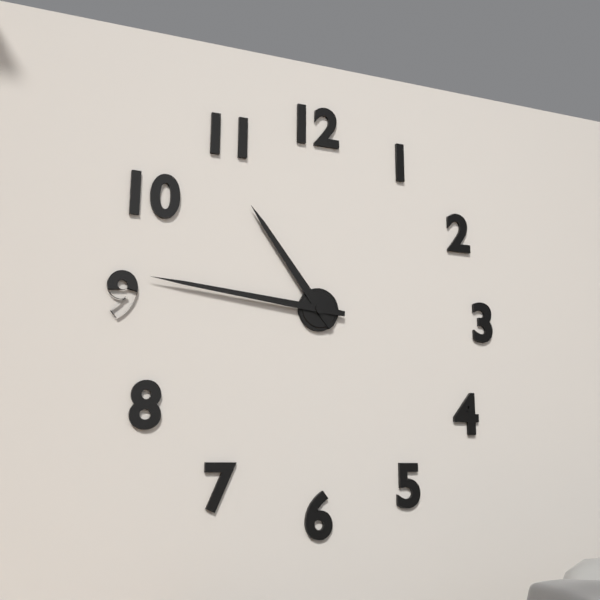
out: 10:46
